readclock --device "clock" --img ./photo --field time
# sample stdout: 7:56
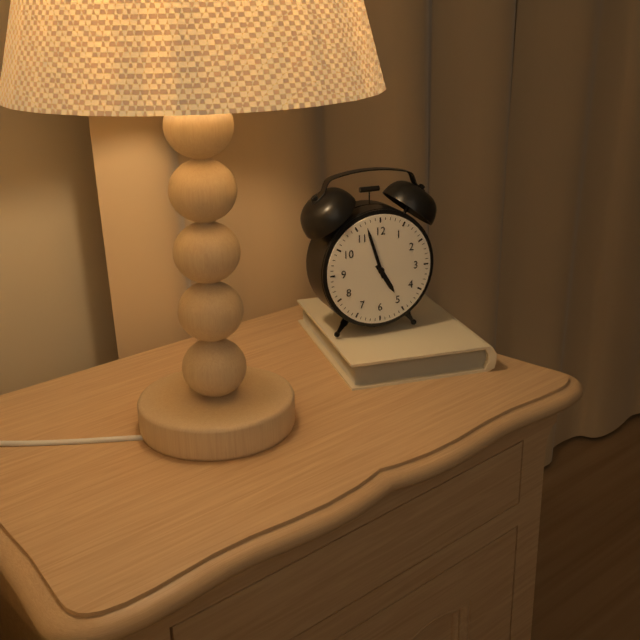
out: 4:57
